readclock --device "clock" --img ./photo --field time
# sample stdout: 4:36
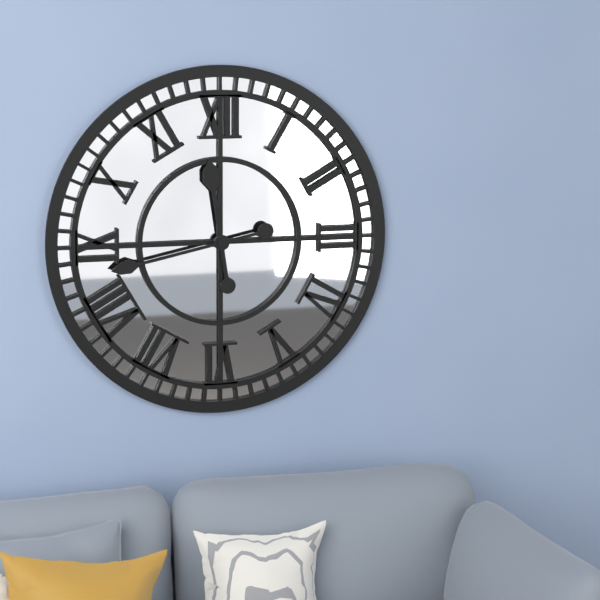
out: 11:43
